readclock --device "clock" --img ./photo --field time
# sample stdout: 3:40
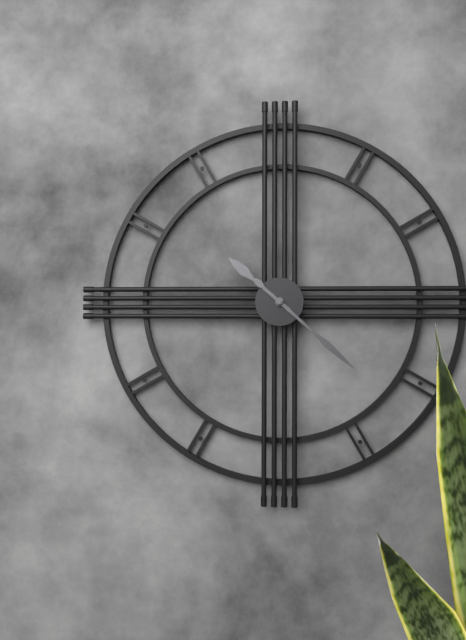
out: 10:22
